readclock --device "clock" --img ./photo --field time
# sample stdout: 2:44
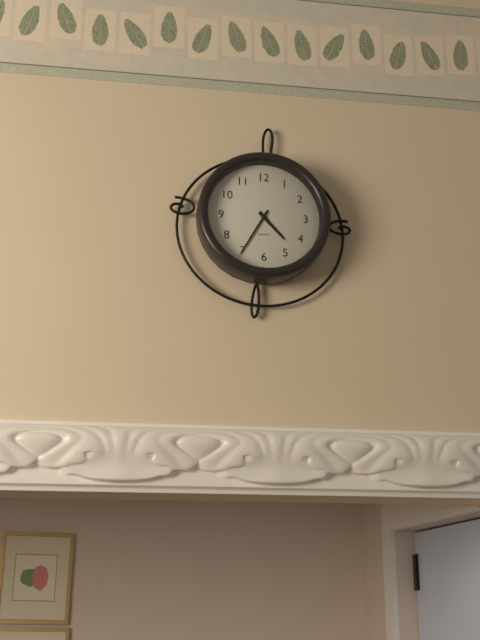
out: 4:35
